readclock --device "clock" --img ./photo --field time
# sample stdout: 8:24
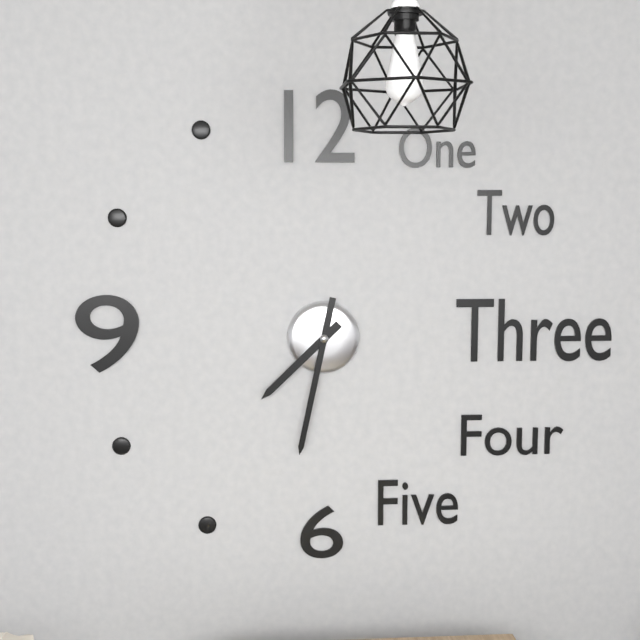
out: 7:32
